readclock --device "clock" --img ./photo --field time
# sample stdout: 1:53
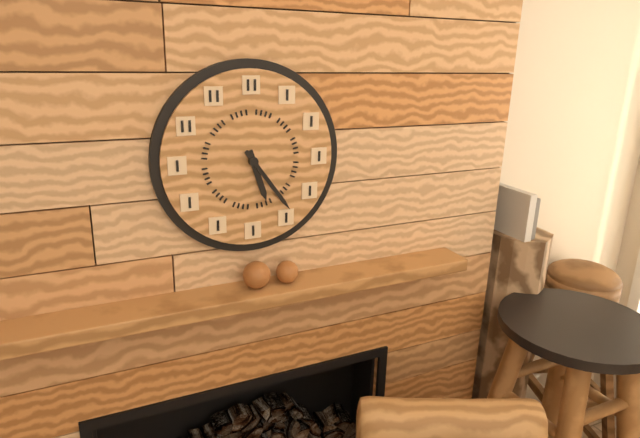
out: 5:24
